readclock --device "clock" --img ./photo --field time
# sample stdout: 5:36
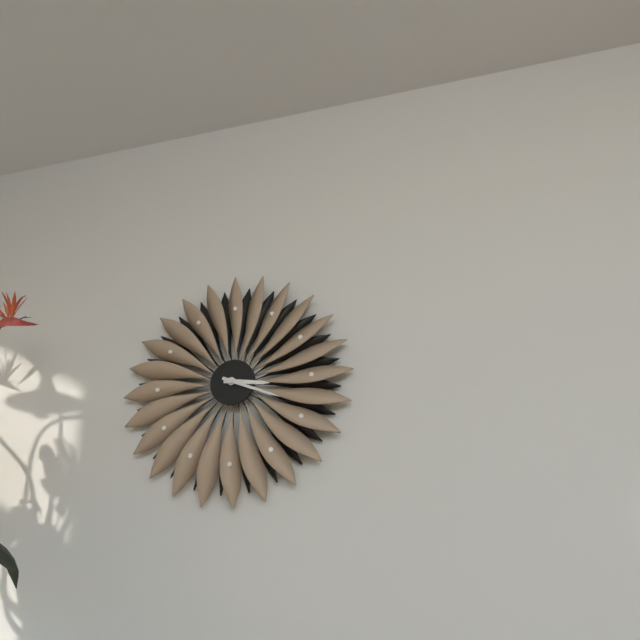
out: 3:19
